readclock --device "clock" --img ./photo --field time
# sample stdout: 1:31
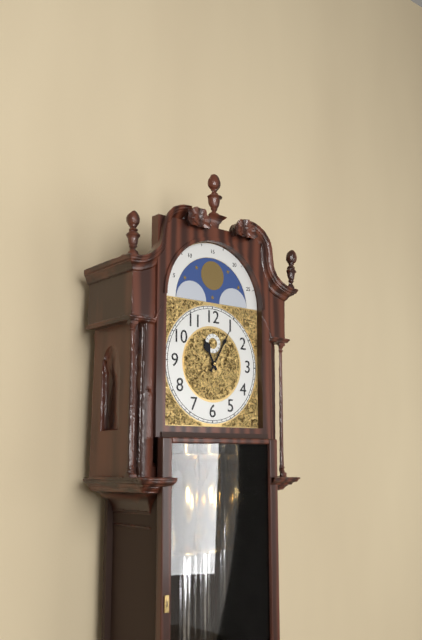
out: 11:05
